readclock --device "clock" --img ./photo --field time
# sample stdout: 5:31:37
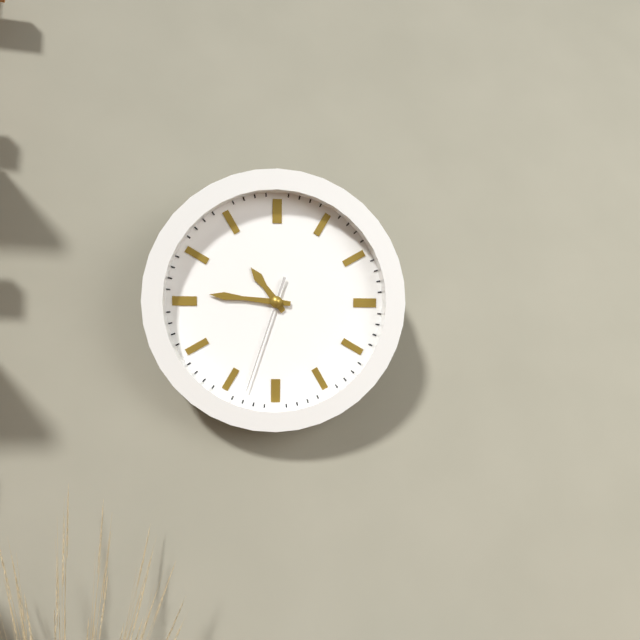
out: 10:46:33
